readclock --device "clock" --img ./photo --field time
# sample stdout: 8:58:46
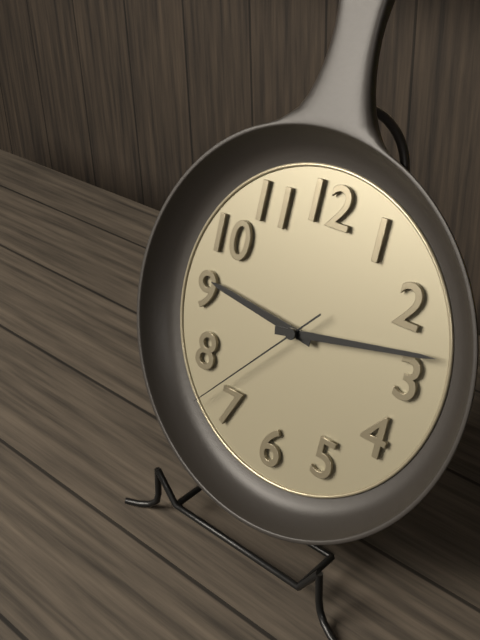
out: 9:13:37
